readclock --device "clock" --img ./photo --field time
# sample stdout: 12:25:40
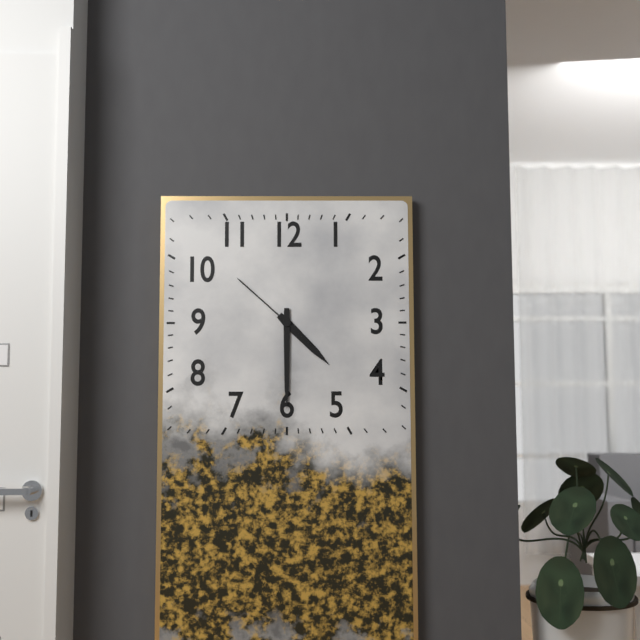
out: 4:30:52
